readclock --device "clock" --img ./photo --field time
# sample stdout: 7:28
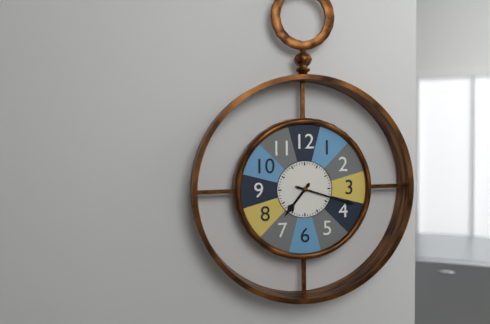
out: 7:18
